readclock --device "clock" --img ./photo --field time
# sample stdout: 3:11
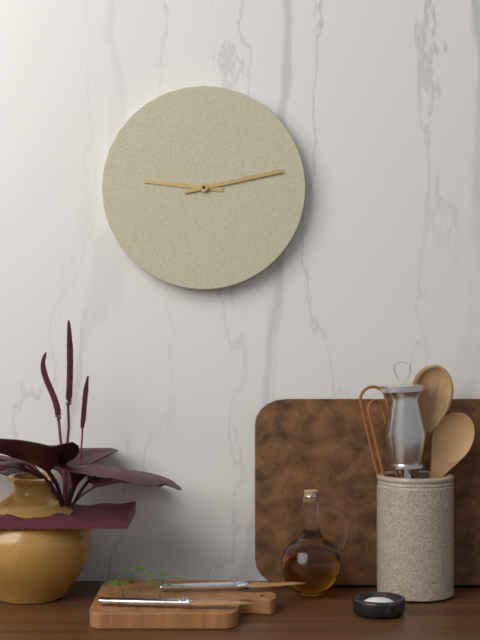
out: 9:13
